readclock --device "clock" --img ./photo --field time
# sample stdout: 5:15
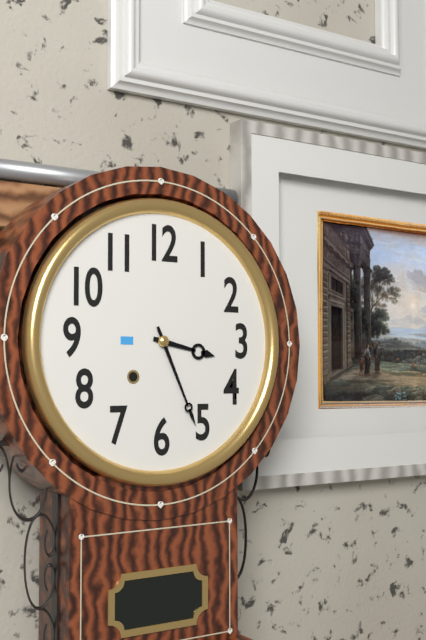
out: 3:26
